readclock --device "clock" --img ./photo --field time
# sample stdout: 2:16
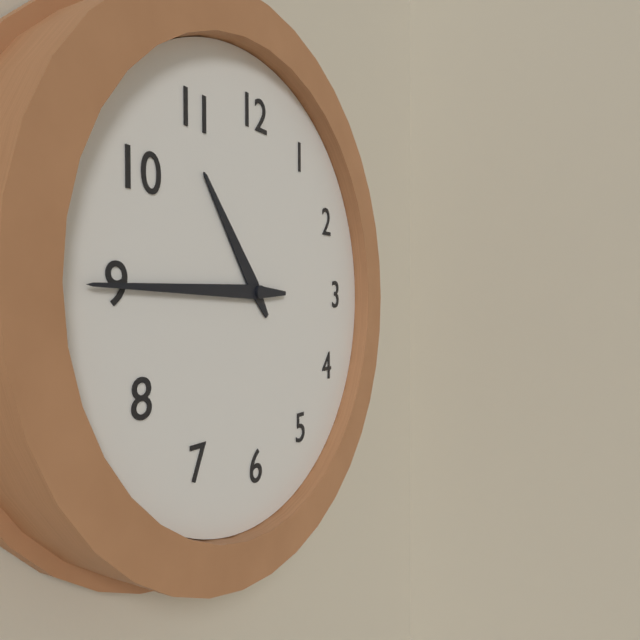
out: 10:45
